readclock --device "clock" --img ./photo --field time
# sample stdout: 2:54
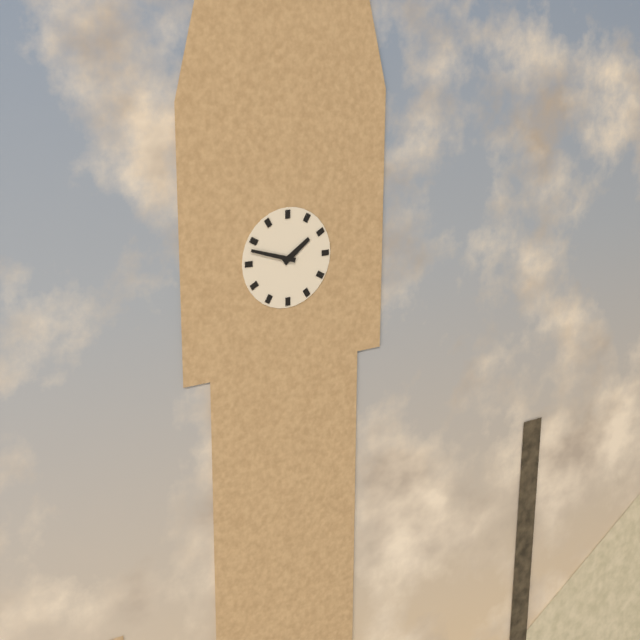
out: 1:48
